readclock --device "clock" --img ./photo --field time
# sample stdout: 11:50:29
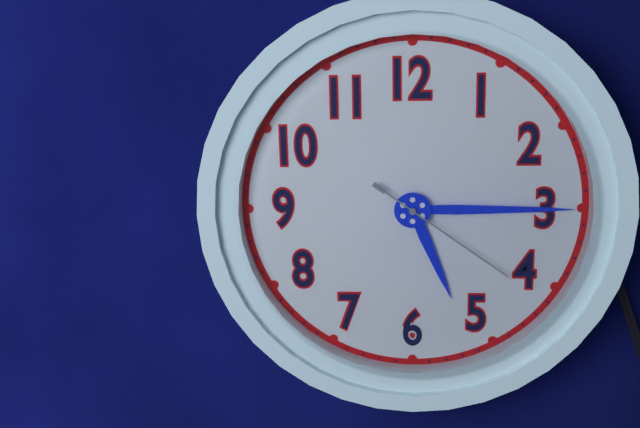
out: 5:15:21
